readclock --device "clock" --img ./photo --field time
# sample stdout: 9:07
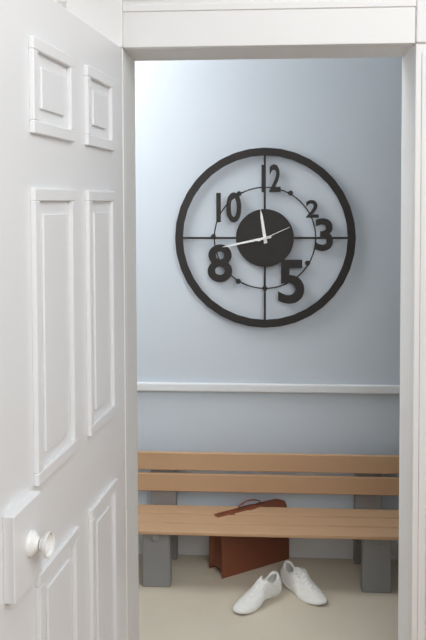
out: 11:43
